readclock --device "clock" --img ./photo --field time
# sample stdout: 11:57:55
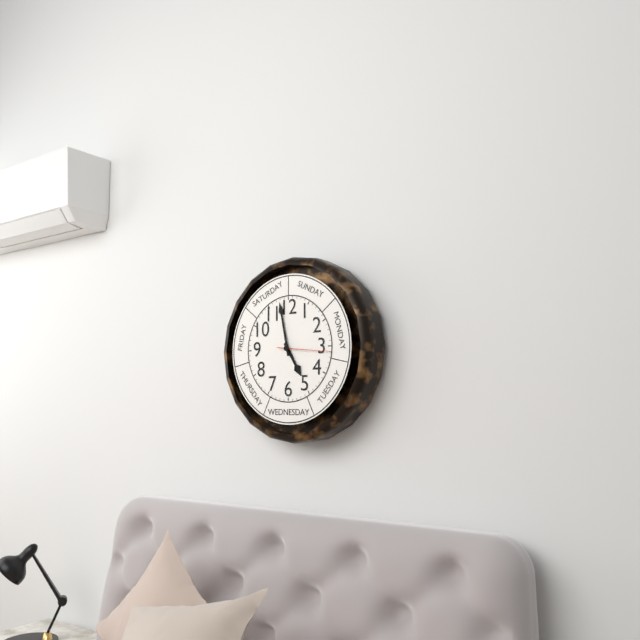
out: 4:58:16
